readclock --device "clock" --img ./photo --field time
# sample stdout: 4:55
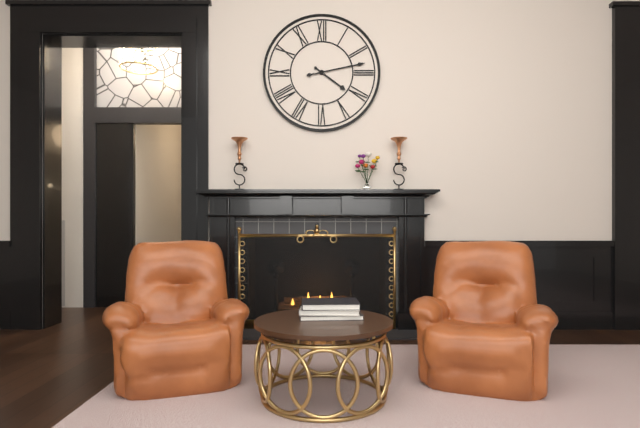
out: 4:13
